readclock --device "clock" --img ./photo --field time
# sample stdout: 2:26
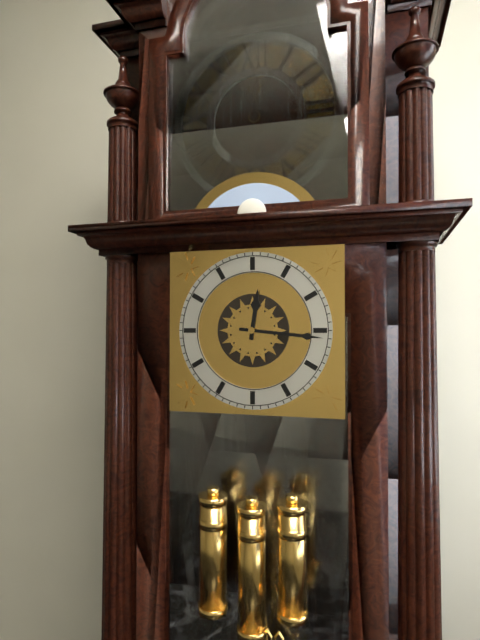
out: 12:16
